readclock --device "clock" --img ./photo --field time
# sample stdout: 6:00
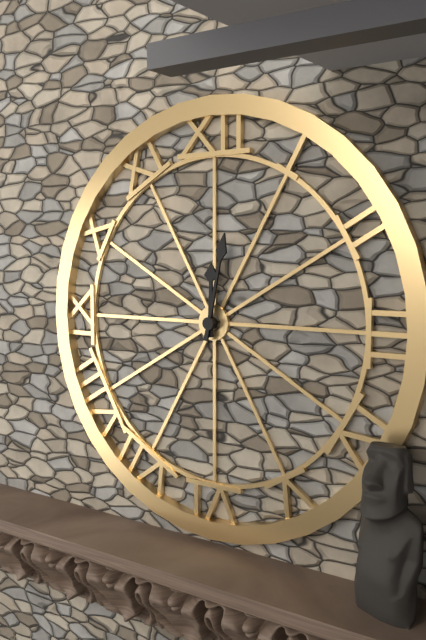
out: 12:02
